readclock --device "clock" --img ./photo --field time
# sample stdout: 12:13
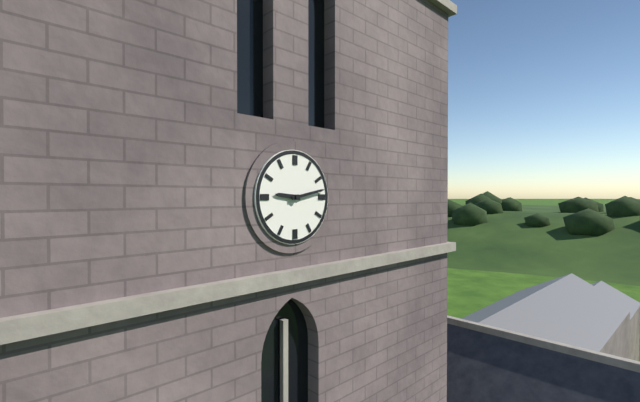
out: 9:13
